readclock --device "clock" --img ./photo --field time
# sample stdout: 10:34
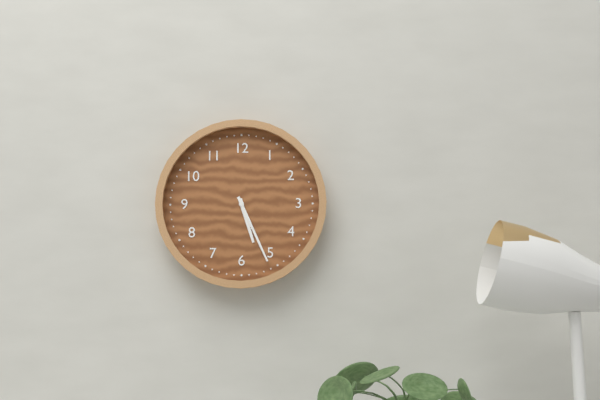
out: 5:26
